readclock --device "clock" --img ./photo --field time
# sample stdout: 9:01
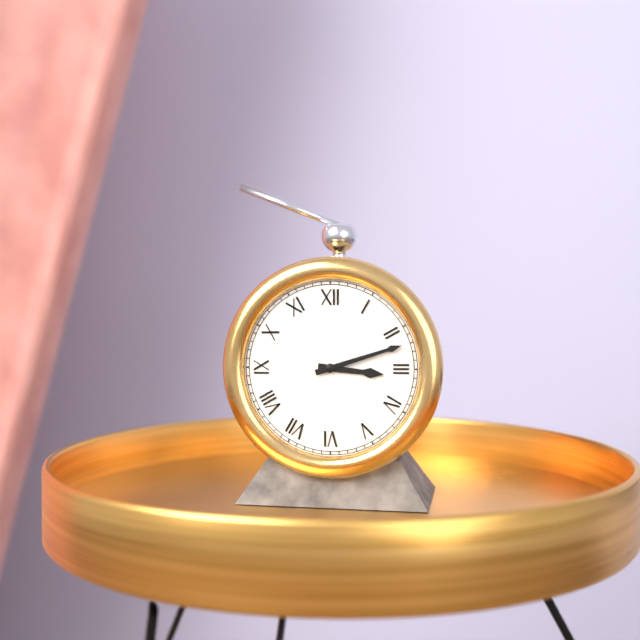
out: 3:12
